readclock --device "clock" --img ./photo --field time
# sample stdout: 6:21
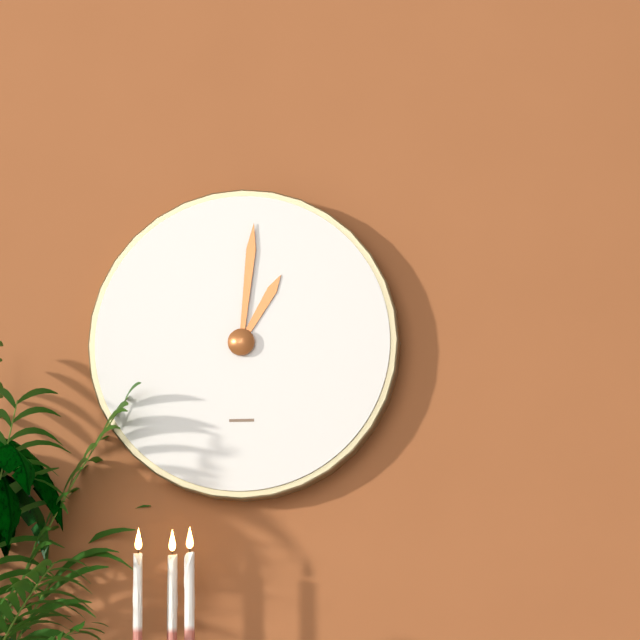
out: 1:01
